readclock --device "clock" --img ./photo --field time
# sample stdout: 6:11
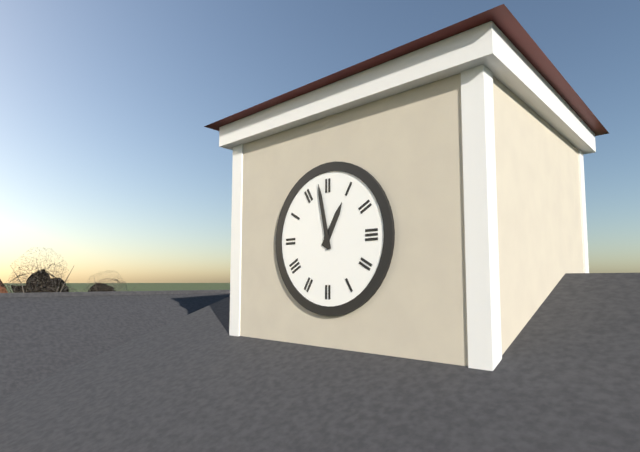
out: 12:58
